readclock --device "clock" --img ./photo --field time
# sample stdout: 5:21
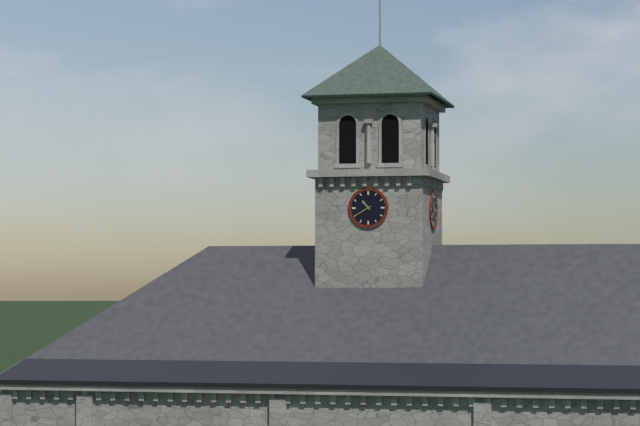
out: 10:40
